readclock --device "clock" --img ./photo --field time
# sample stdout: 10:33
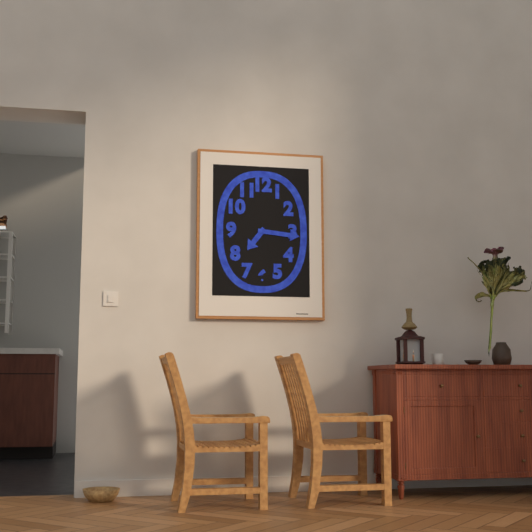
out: 7:16
